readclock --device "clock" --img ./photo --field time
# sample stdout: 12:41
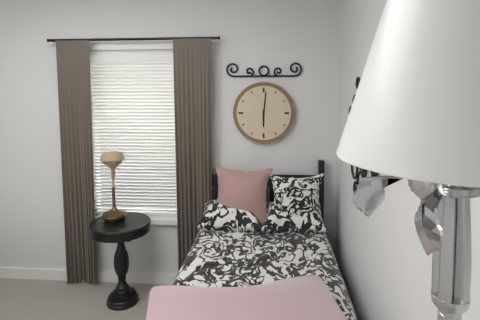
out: 6:01
